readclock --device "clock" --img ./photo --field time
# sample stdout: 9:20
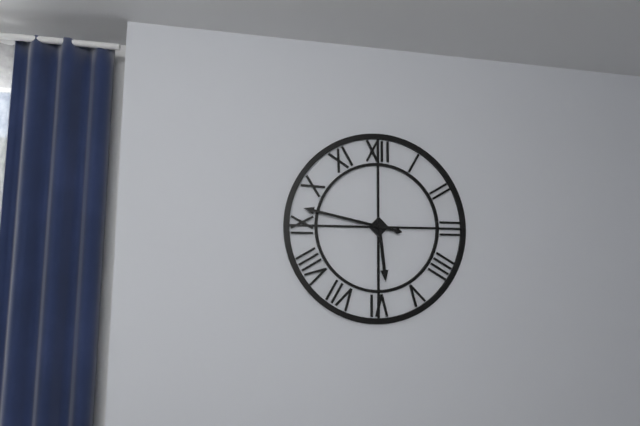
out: 5:47
